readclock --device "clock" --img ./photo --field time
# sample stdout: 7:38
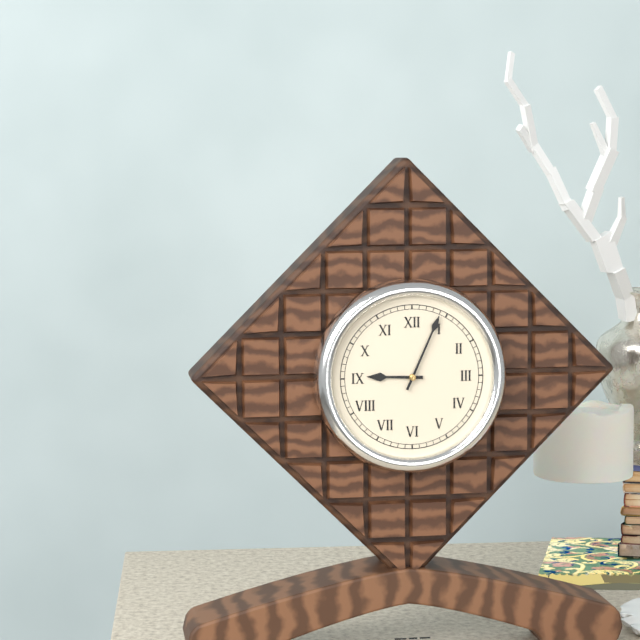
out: 9:04
